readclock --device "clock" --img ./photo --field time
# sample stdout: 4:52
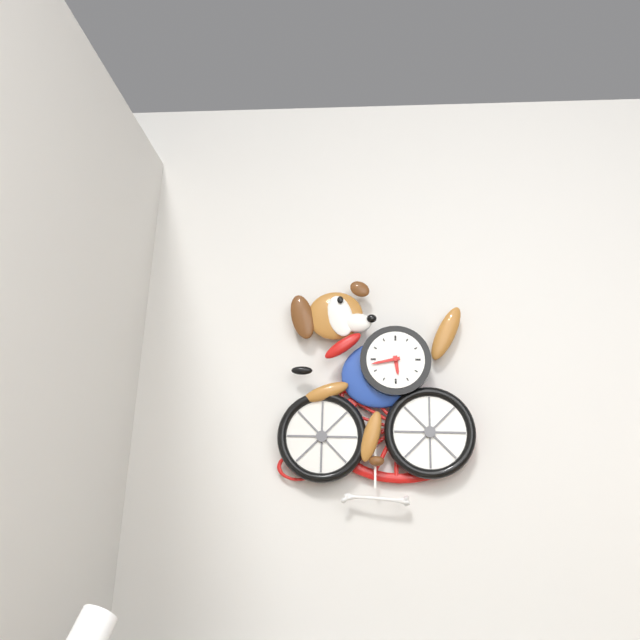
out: 5:43
